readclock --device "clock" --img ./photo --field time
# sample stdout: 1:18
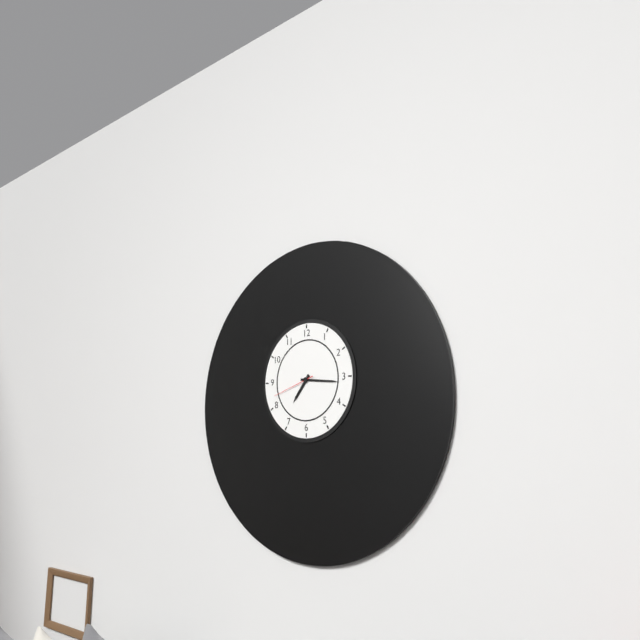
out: 7:16
